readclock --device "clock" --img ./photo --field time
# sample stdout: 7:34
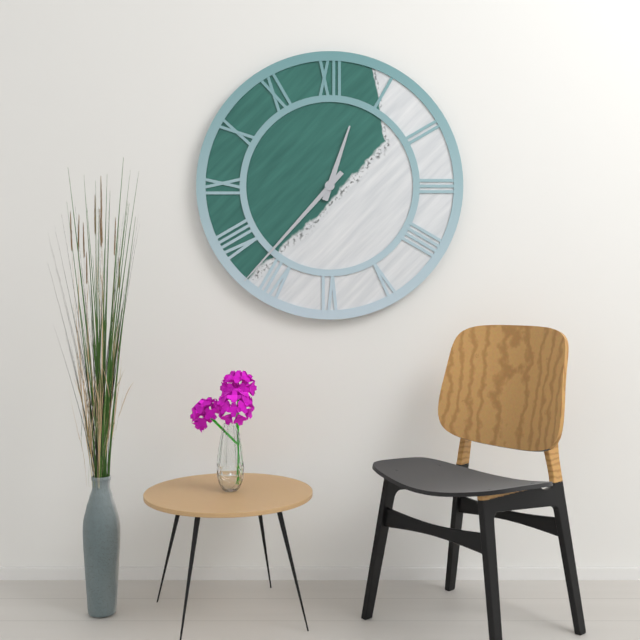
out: 12:37
